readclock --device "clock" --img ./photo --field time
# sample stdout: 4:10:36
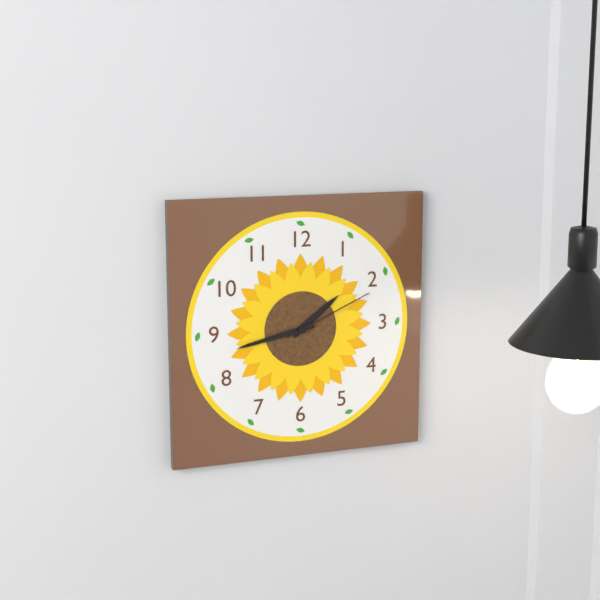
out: 1:43:11
